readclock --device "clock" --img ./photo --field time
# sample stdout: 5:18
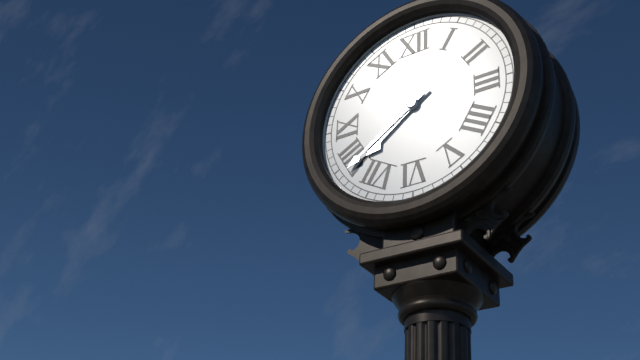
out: 7:39
